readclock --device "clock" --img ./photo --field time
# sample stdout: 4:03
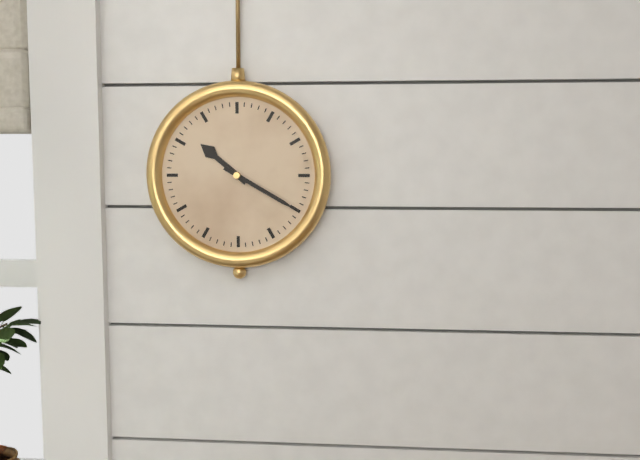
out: 10:20
